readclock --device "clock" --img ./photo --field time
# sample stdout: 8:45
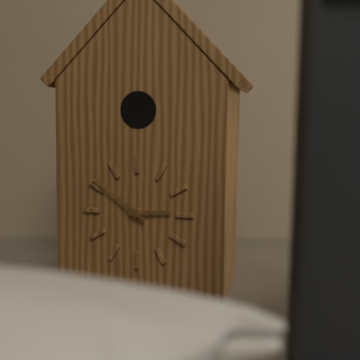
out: 2:51
